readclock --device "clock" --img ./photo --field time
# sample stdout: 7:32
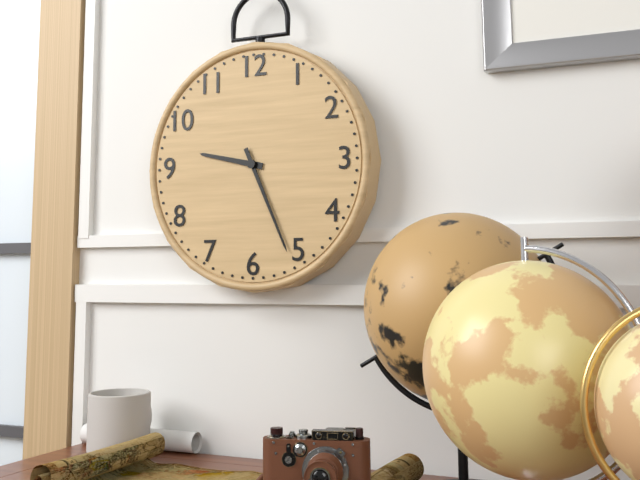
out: 9:26
